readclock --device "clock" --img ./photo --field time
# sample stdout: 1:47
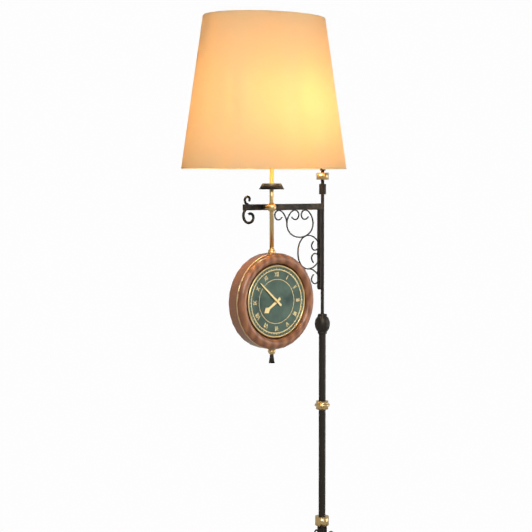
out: 7:52
